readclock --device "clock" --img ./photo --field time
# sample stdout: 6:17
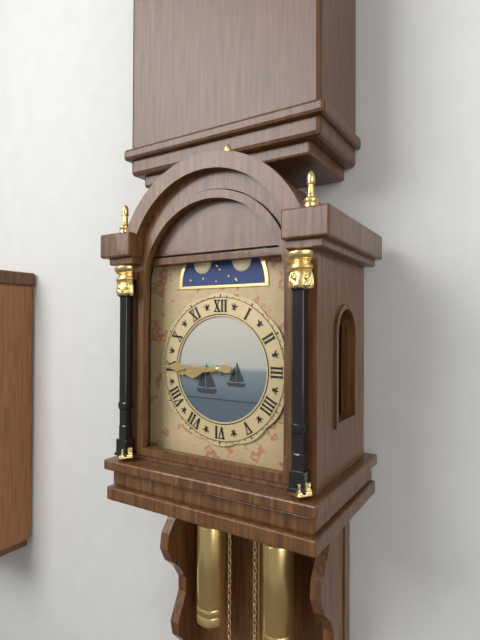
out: 8:45
